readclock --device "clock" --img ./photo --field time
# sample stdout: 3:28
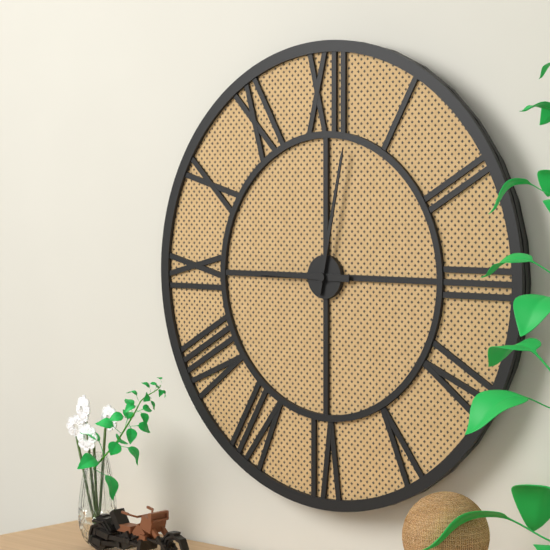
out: 9:02
